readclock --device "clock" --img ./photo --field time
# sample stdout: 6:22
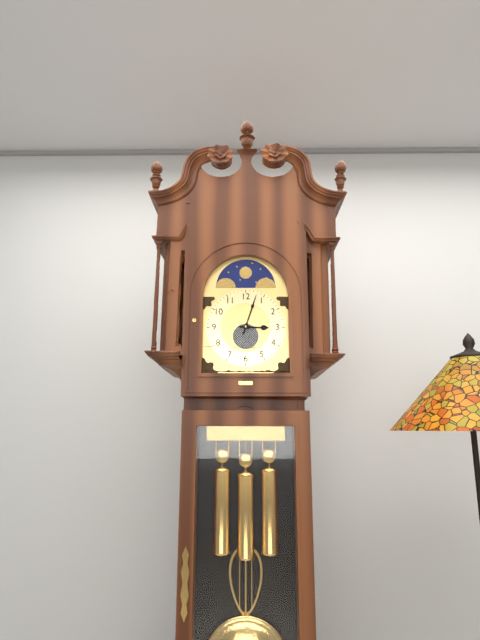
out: 3:03
